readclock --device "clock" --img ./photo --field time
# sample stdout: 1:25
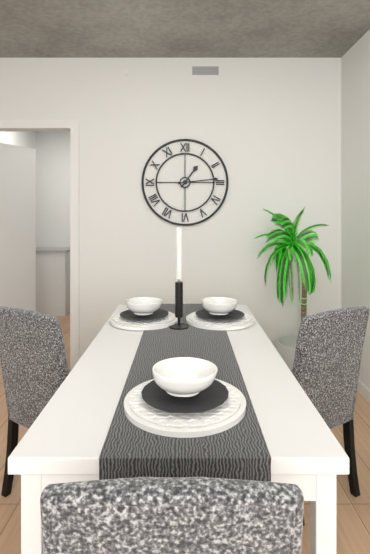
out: 1:14
